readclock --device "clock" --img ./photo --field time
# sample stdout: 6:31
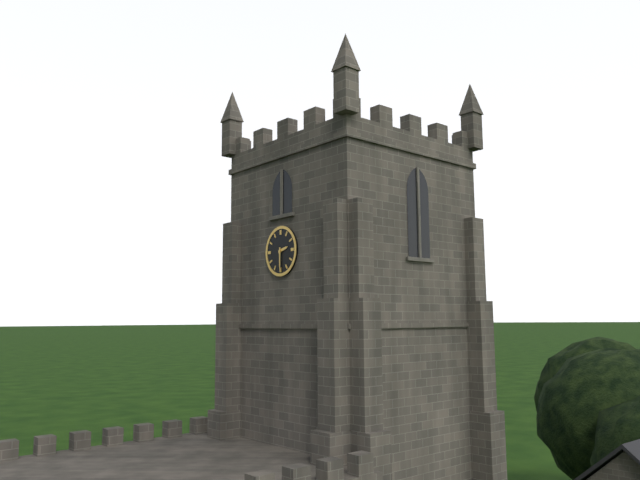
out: 2:30
